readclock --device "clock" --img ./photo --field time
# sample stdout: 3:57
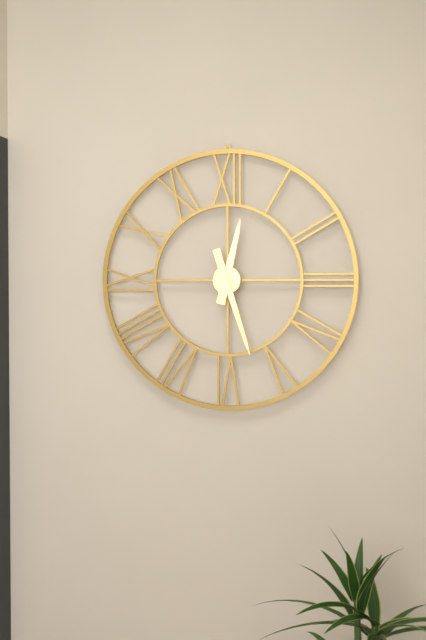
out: 12:27
